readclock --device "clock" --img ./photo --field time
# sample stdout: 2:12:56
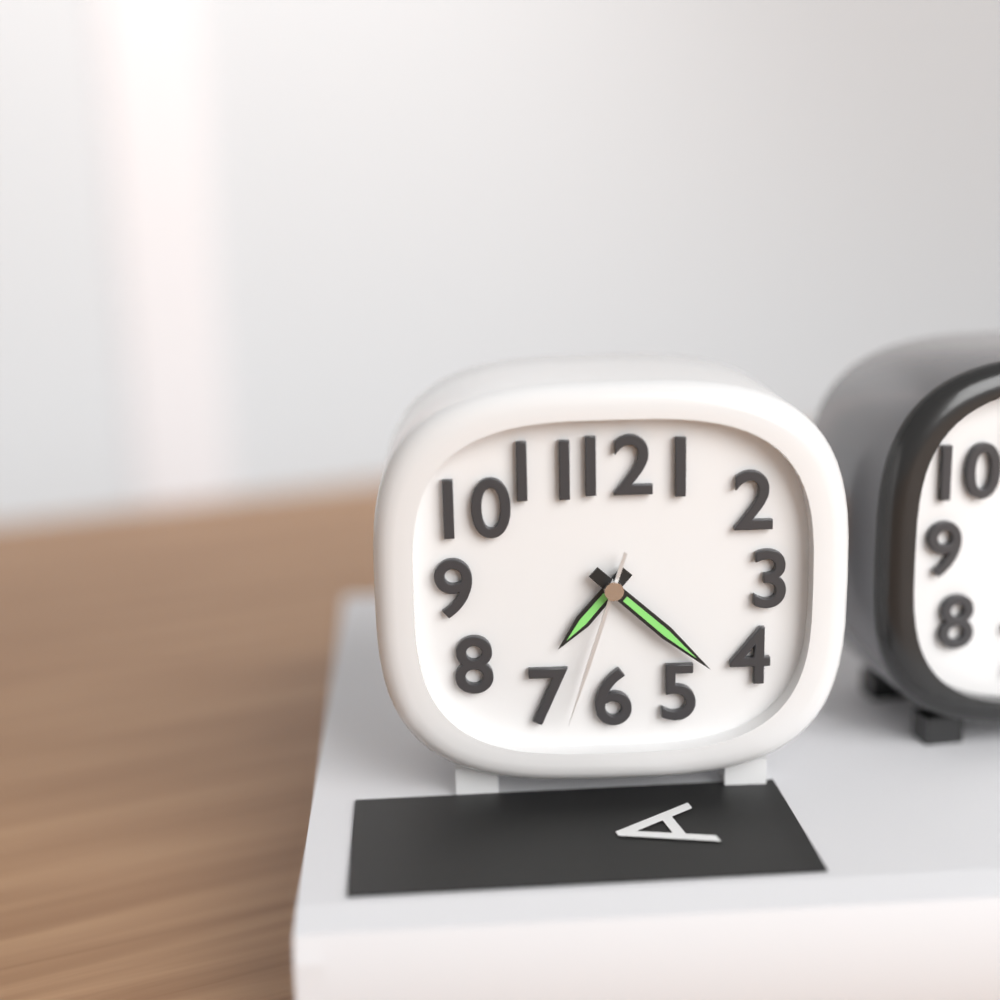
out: 7:22:33
